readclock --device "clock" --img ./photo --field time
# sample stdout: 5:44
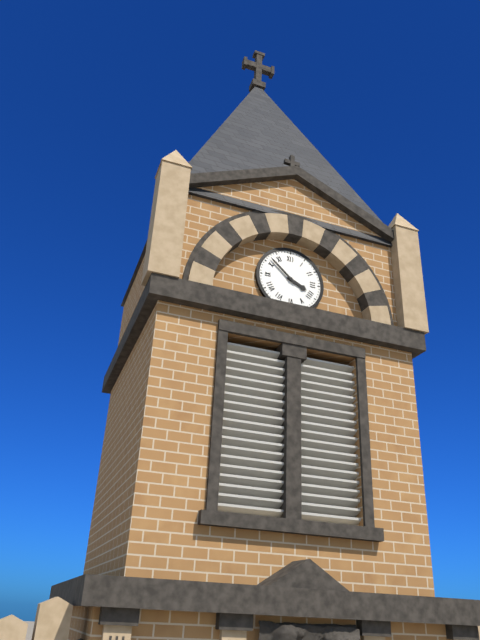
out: 3:52
